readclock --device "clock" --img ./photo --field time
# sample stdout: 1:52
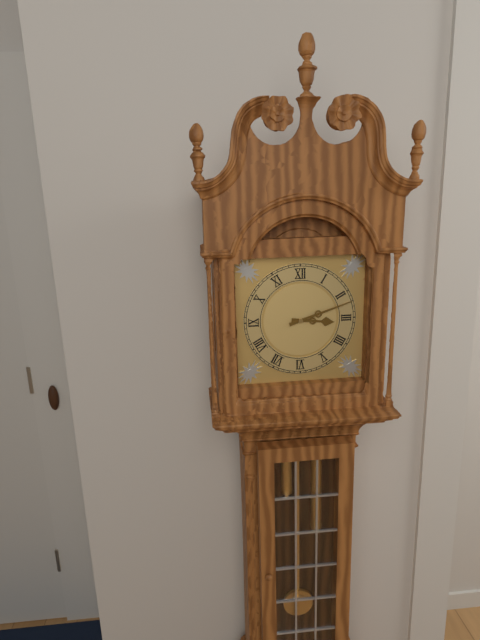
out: 3:12
